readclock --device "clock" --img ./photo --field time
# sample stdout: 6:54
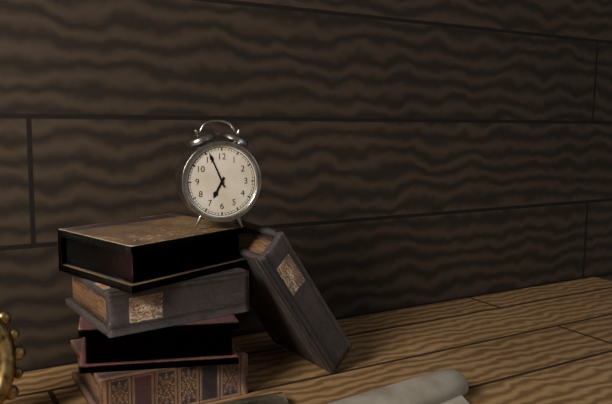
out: 6:56
